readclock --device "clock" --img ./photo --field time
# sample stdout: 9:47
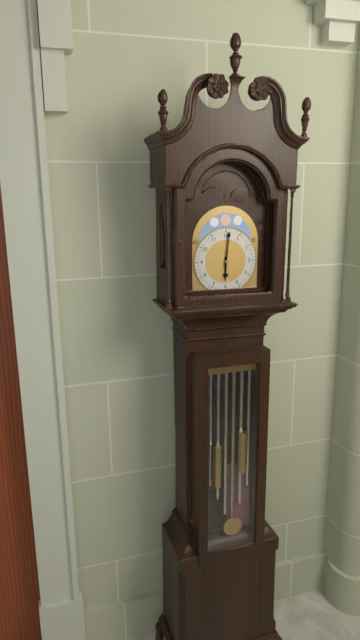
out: 6:01
